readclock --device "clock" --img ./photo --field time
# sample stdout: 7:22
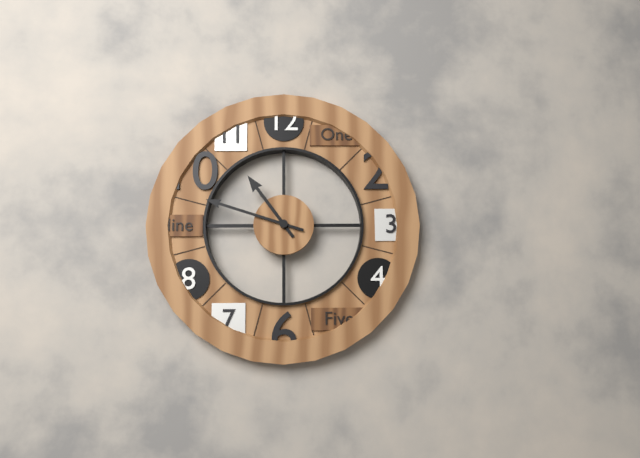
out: 10:48
